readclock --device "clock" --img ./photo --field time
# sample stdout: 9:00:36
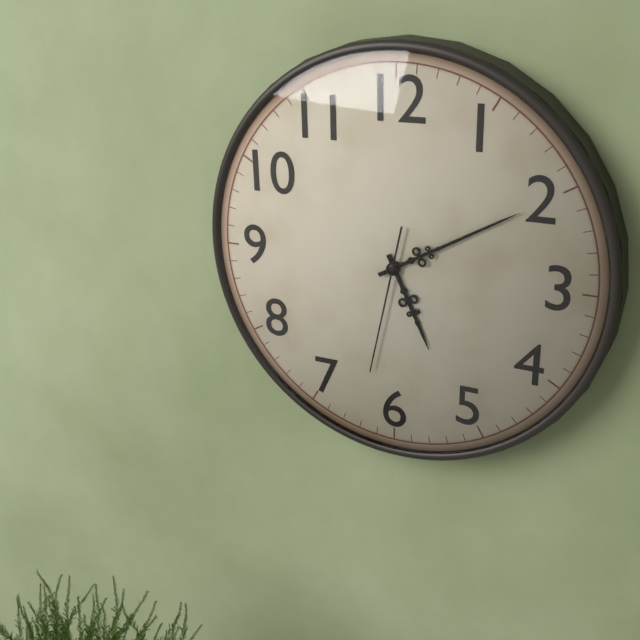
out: 5:10:32
